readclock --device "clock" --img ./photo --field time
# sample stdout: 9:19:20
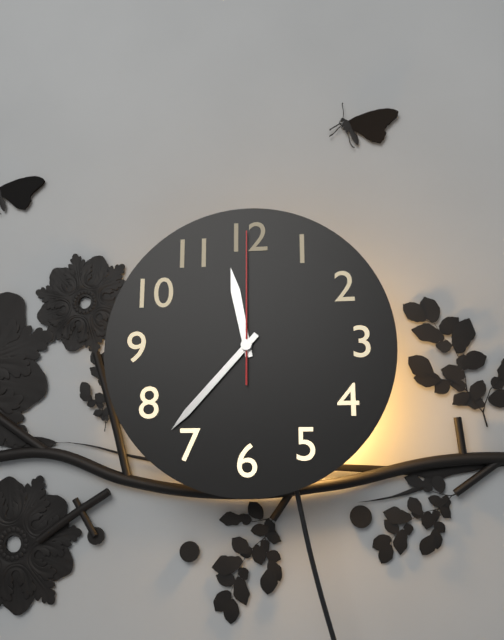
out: 11:37:00
